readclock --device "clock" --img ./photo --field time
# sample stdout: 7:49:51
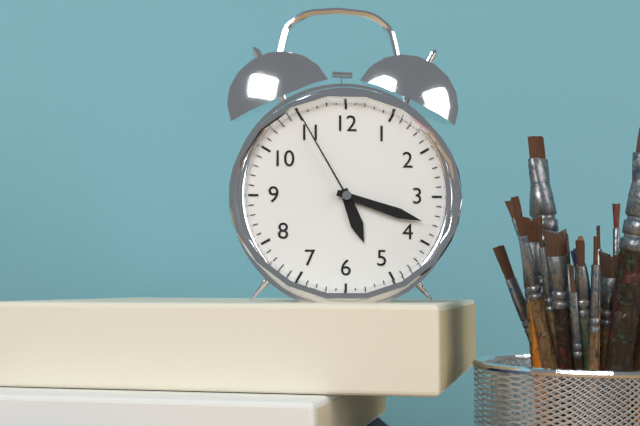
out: 5:18:55
